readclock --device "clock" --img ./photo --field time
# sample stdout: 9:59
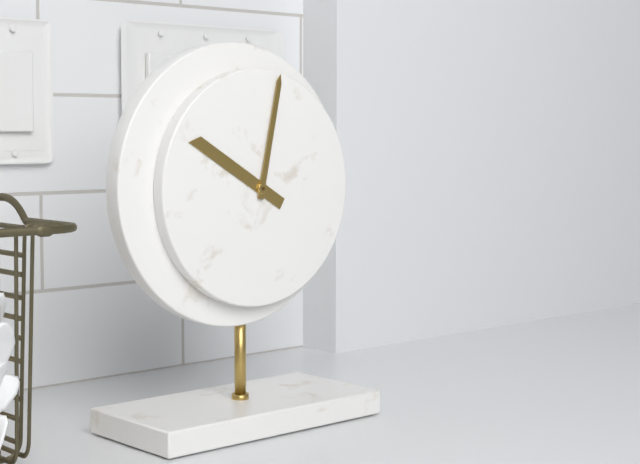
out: 10:02
